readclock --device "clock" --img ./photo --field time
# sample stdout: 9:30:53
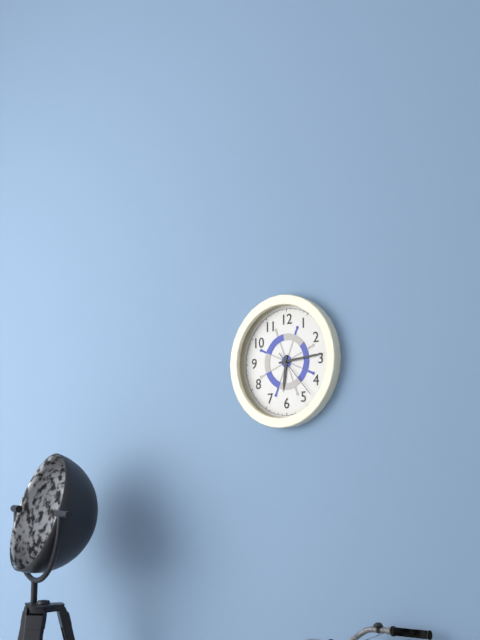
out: 6:14:23
